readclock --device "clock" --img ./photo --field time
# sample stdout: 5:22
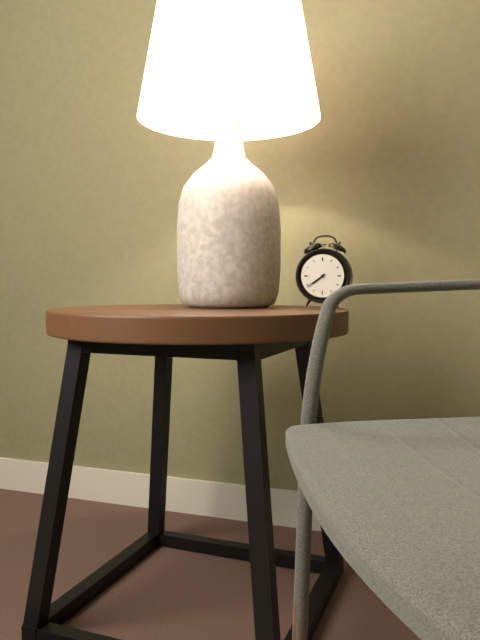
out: 7:39
